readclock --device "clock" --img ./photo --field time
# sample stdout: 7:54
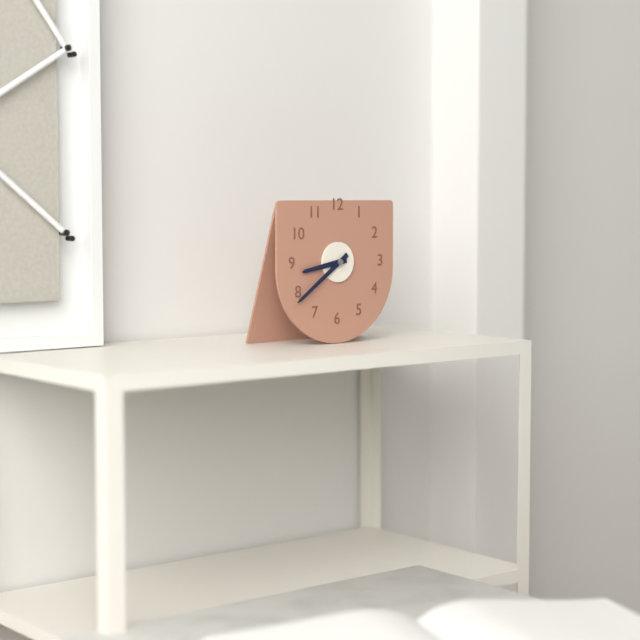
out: 8:39
